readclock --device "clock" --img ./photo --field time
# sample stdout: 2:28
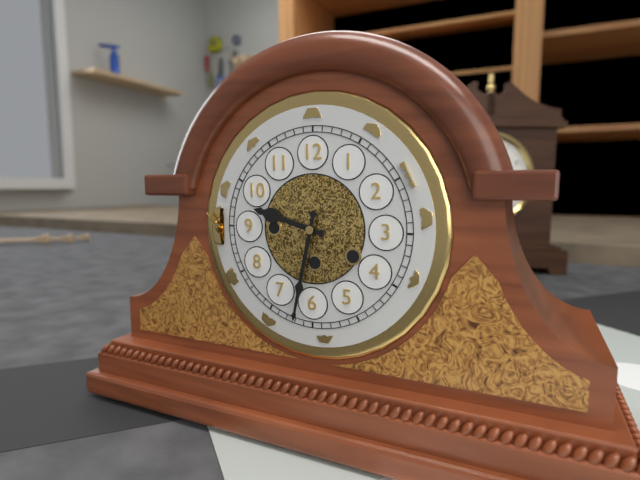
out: 9:32
